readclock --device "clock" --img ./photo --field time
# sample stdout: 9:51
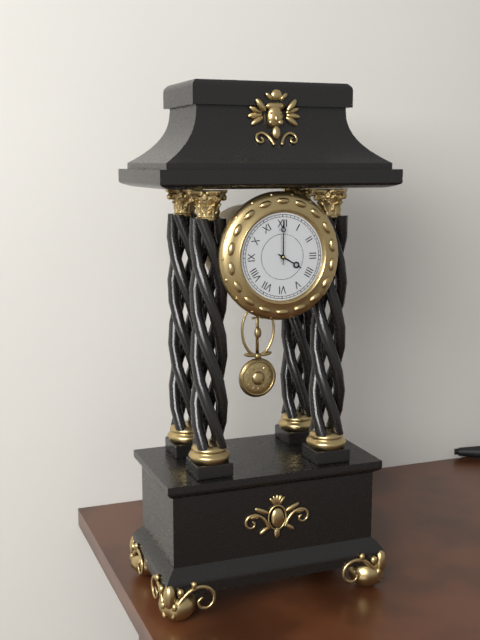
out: 4:00
